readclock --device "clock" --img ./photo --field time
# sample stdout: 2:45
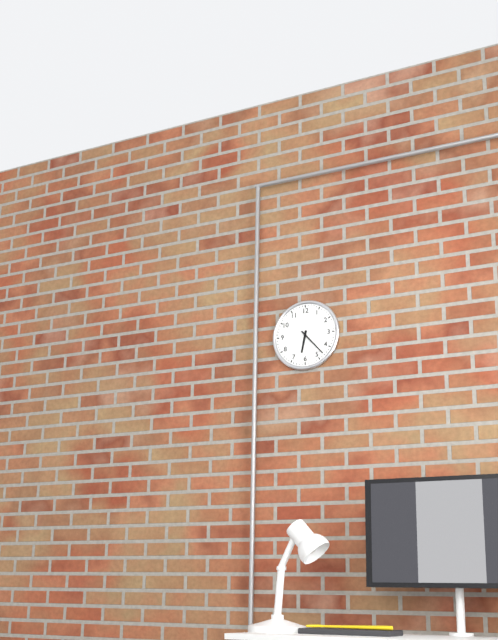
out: 6:23
